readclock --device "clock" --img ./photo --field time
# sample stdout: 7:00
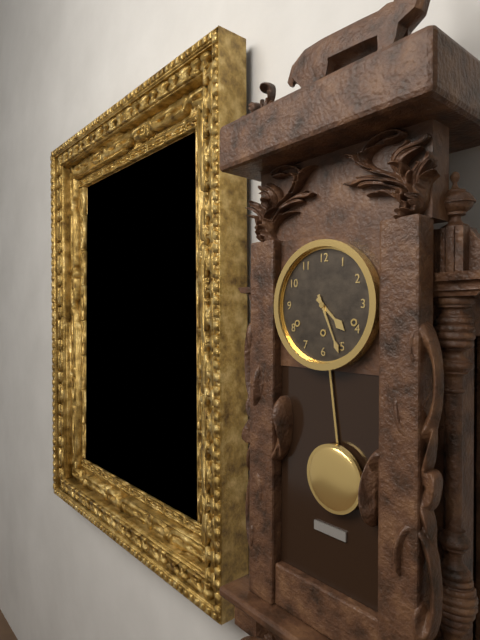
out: 4:26
